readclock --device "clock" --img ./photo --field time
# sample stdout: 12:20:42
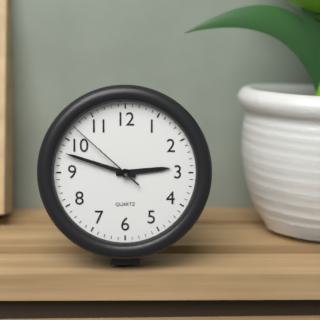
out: 2:48:52
